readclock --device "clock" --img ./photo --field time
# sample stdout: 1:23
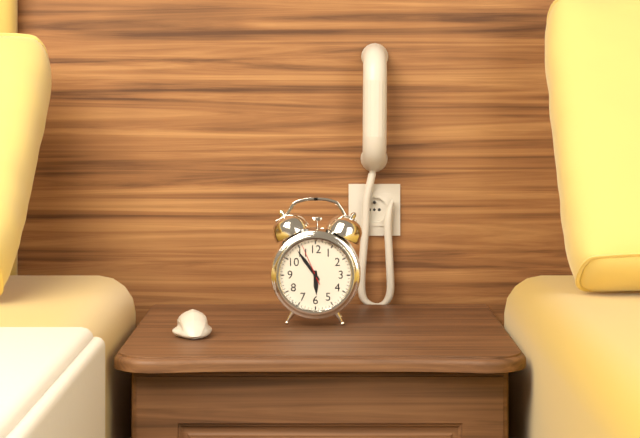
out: 5:54
